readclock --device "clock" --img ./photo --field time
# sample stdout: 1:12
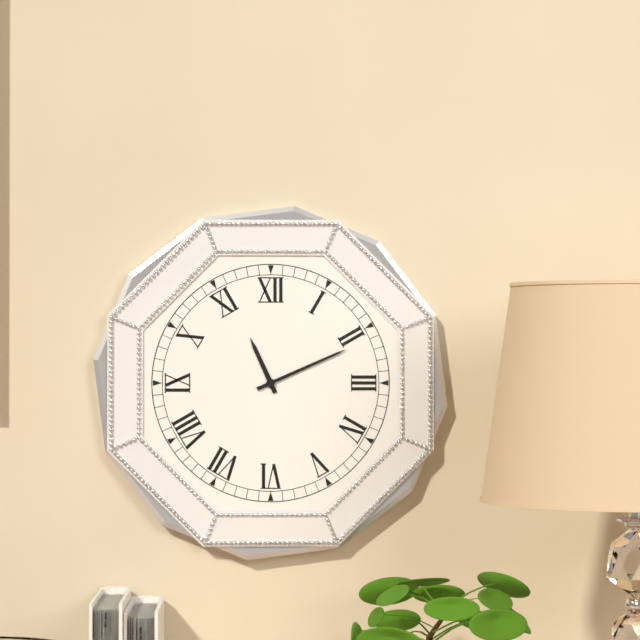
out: 11:11
